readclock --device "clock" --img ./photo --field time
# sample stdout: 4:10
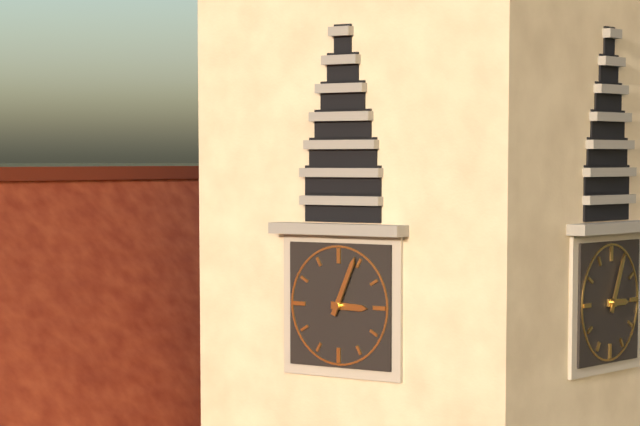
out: 3:04
